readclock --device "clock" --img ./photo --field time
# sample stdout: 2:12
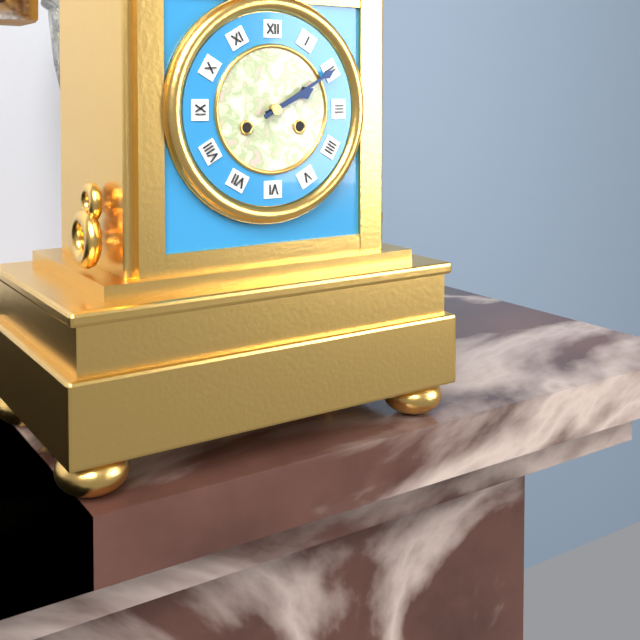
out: 2:10
